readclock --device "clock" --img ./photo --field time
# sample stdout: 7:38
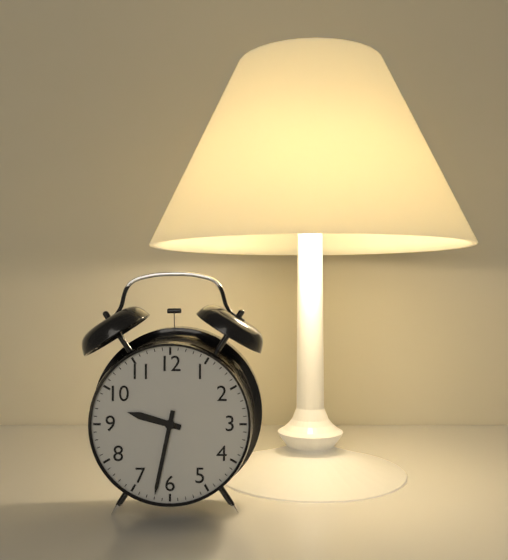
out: 9:32
